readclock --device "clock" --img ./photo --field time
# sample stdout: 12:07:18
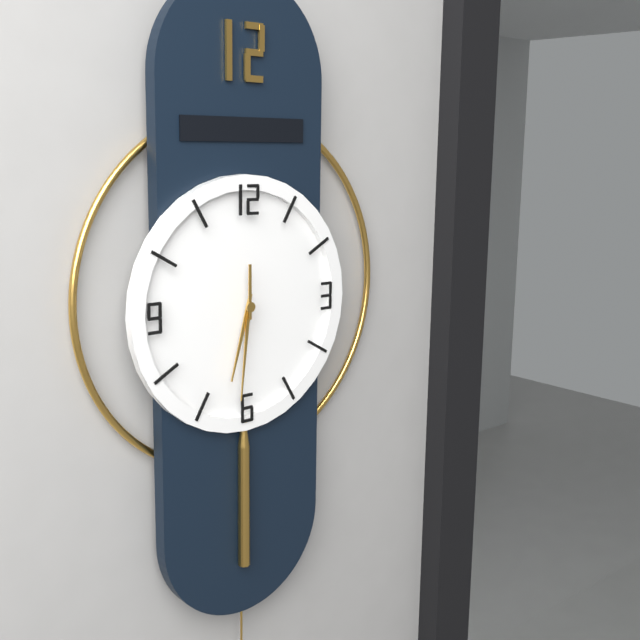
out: 6:31:00
